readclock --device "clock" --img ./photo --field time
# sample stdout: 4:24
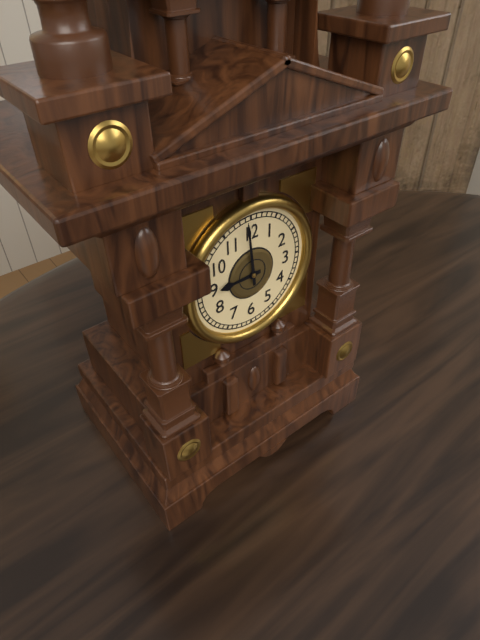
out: 8:59
